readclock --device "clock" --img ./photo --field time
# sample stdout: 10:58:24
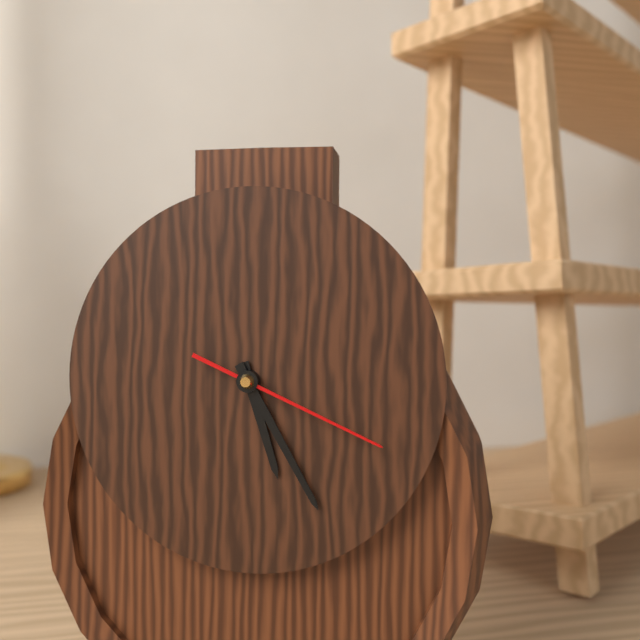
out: 5:25:19
